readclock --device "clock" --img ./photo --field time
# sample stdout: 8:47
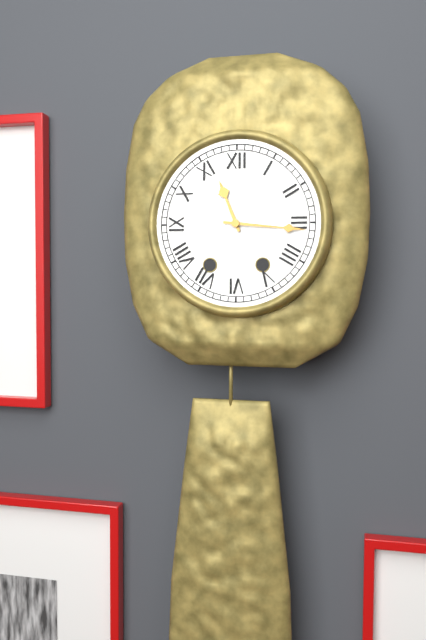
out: 11:16
